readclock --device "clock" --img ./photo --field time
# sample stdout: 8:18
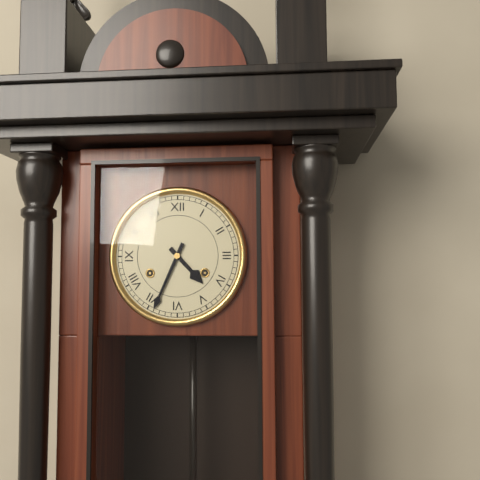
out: 4:34
